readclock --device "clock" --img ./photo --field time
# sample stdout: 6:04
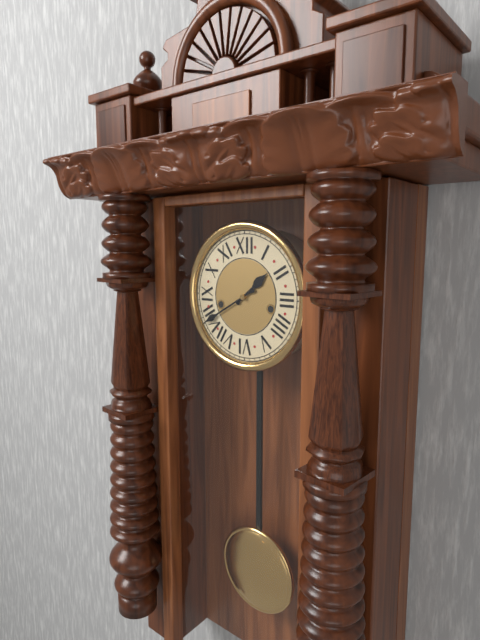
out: 1:40
